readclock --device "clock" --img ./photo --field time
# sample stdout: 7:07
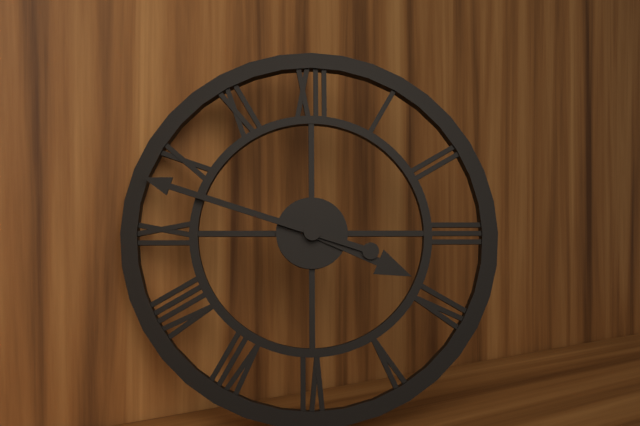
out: 3:48
